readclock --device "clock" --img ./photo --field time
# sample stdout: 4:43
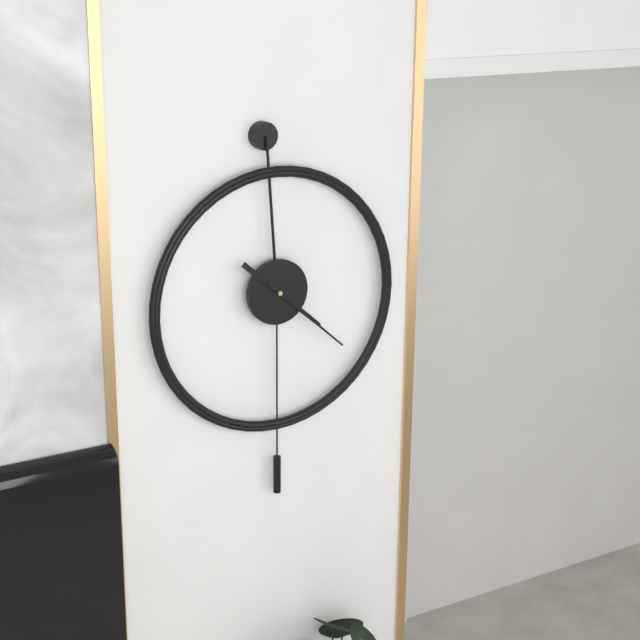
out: 4:22
